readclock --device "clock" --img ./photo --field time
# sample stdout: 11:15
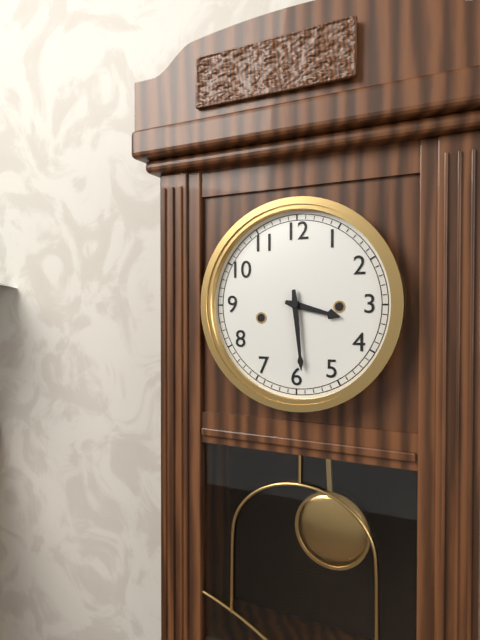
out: 3:29
